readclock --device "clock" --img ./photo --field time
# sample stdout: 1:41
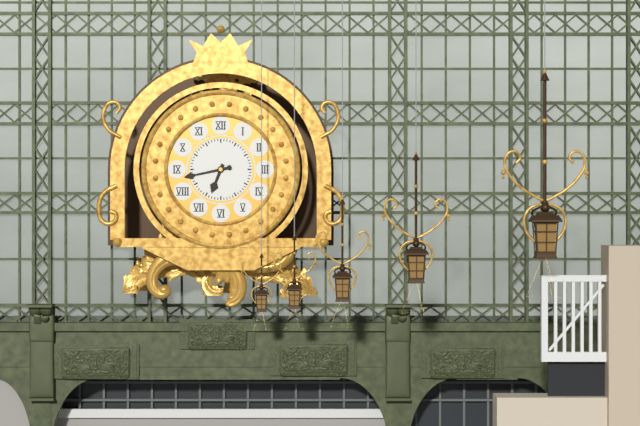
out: 6:43
